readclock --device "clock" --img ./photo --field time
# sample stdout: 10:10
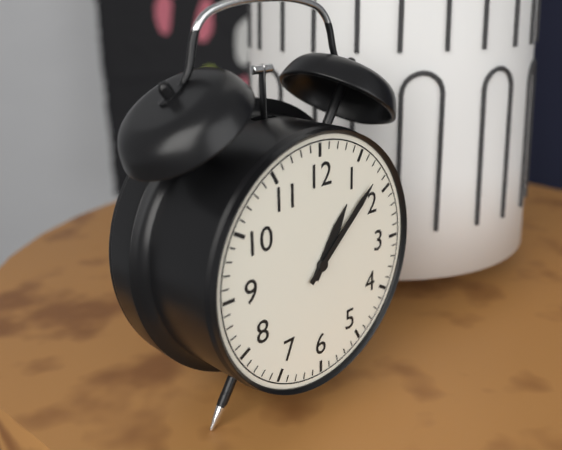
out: 1:08
